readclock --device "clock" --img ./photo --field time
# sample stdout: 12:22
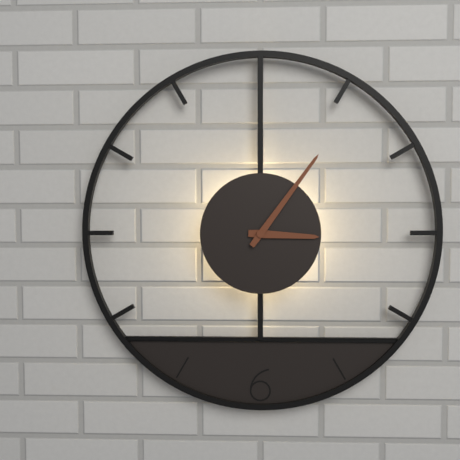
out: 3:06
